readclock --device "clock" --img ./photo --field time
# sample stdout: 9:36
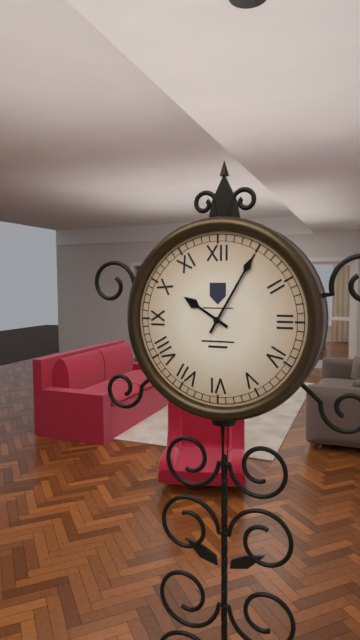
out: 10:05
